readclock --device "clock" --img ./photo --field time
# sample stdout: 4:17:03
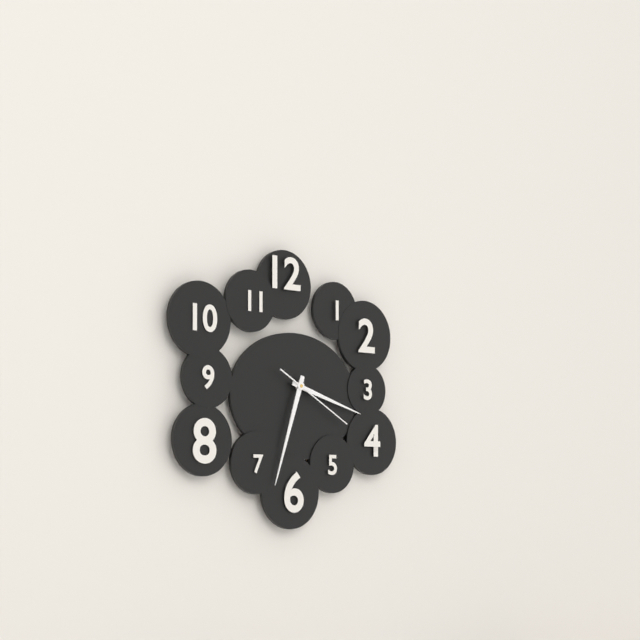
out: 3:33:20
